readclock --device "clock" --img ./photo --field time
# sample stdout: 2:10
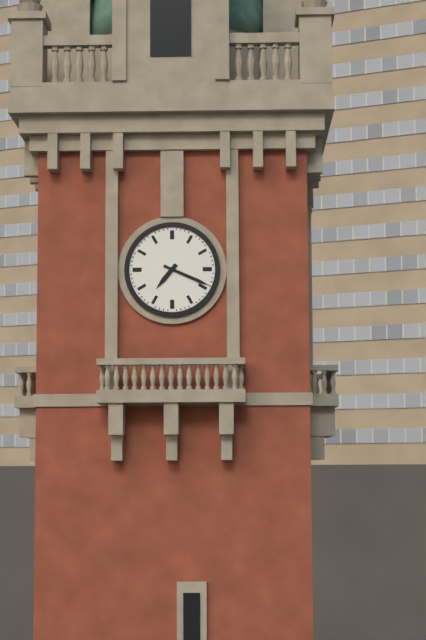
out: 7:19
